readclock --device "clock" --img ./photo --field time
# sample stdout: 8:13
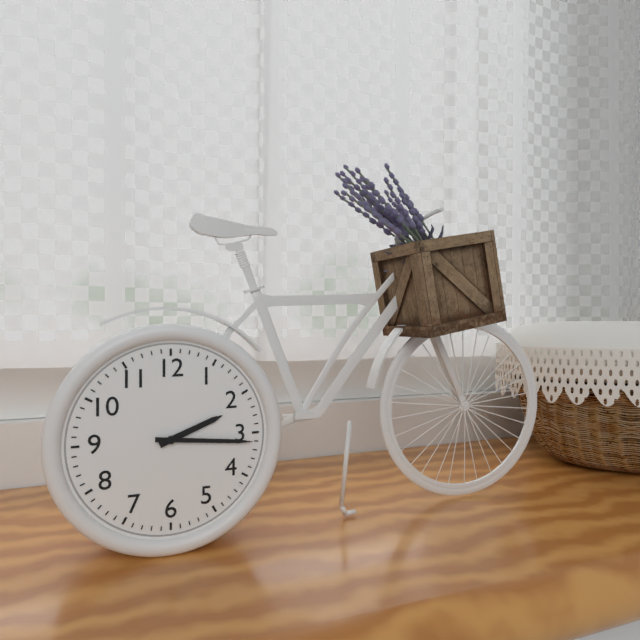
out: 2:16
